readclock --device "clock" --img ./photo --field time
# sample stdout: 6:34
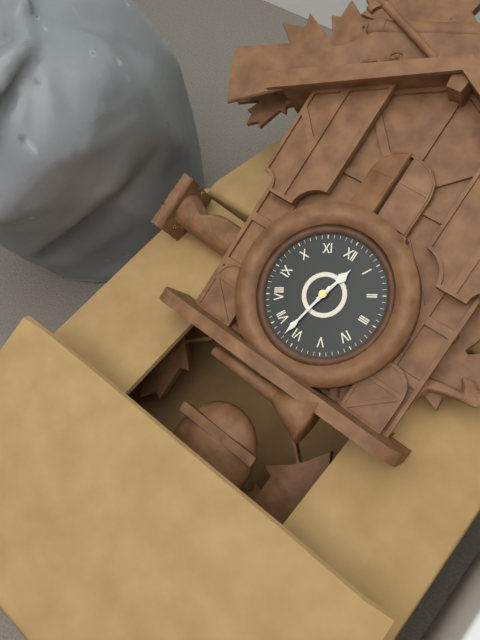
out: 12:32
